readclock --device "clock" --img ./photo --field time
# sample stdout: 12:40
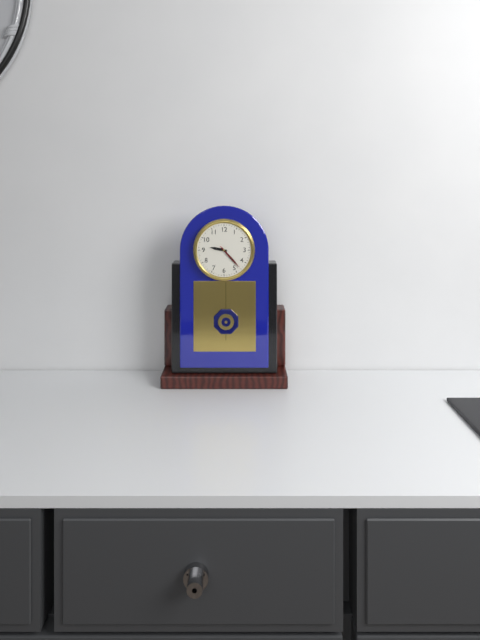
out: 9:23
